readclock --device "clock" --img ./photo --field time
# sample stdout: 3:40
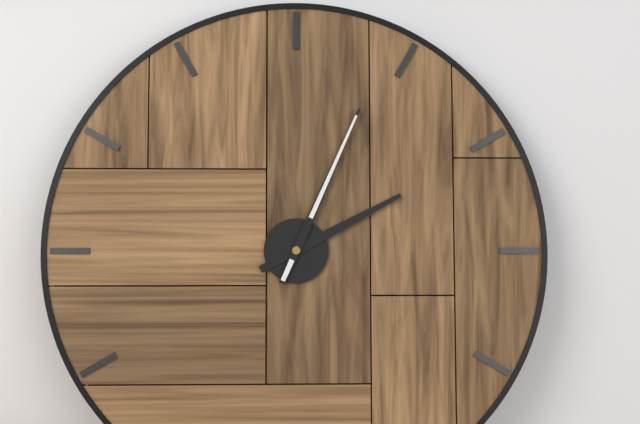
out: 2:04
